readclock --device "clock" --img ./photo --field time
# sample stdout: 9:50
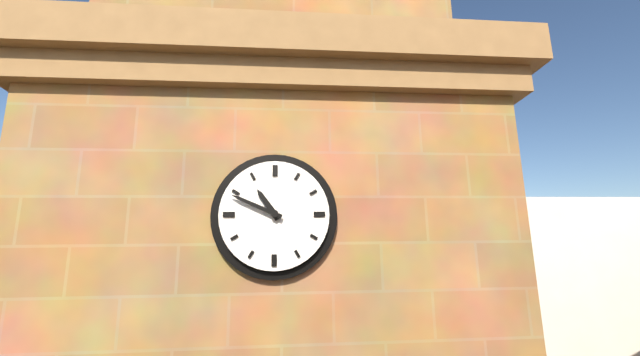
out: 10:49
